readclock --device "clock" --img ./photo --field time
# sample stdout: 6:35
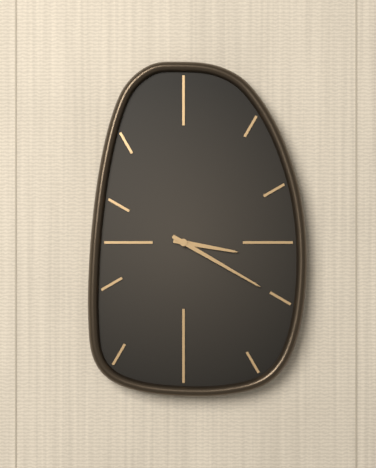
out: 3:20
